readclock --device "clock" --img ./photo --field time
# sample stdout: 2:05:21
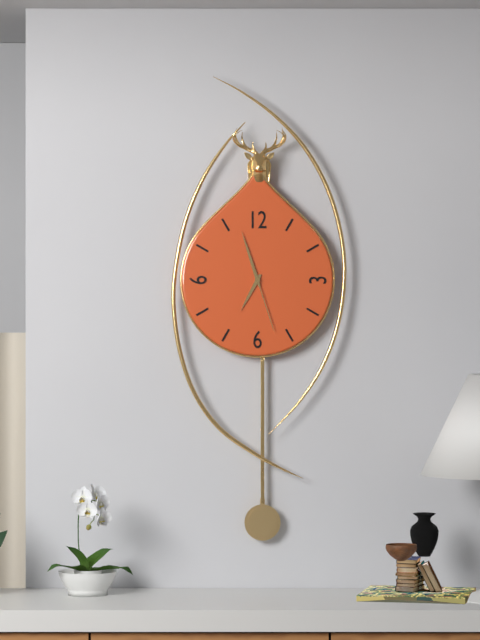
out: 6:57:27
